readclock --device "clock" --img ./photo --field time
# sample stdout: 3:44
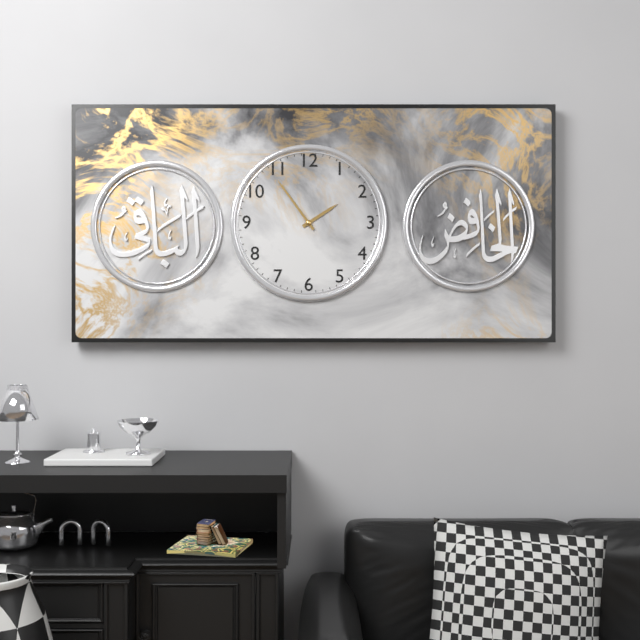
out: 1:54
